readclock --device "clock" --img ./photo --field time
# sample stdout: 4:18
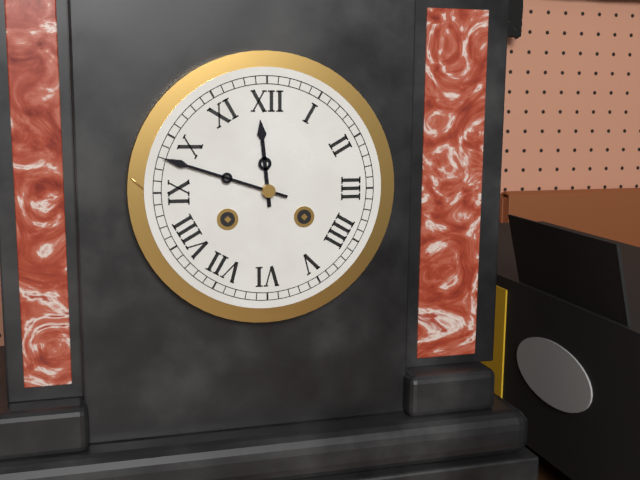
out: 11:48
